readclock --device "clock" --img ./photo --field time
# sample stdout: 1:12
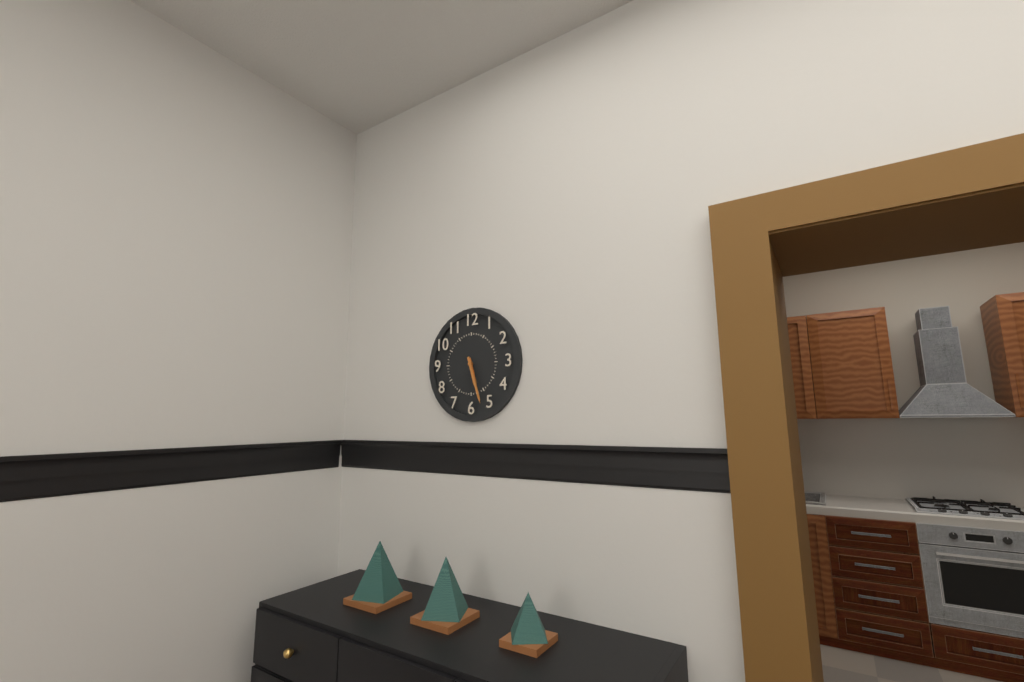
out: 5:27
